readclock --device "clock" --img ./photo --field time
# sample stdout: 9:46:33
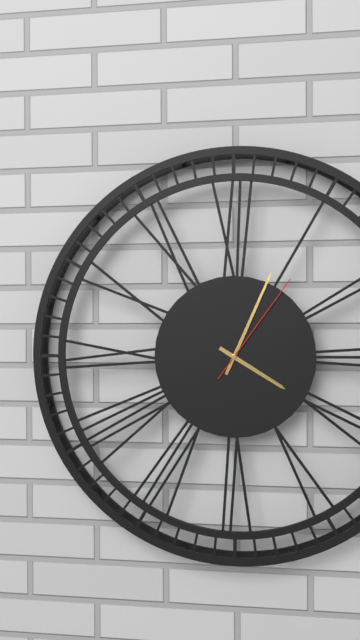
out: 4:04:06
